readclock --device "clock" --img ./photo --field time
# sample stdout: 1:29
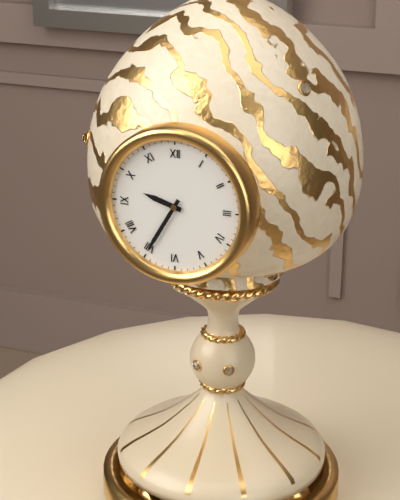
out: 9:35
